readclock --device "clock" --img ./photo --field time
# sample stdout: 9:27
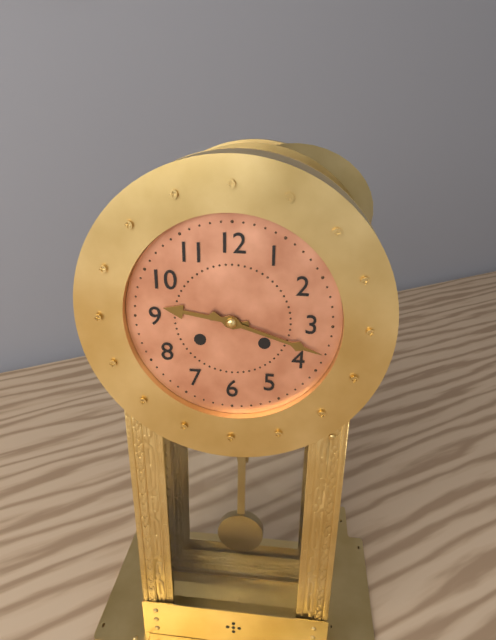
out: 9:18
